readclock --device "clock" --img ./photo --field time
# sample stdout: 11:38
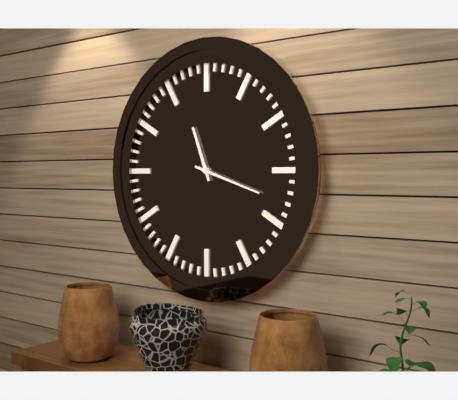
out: 11:18
